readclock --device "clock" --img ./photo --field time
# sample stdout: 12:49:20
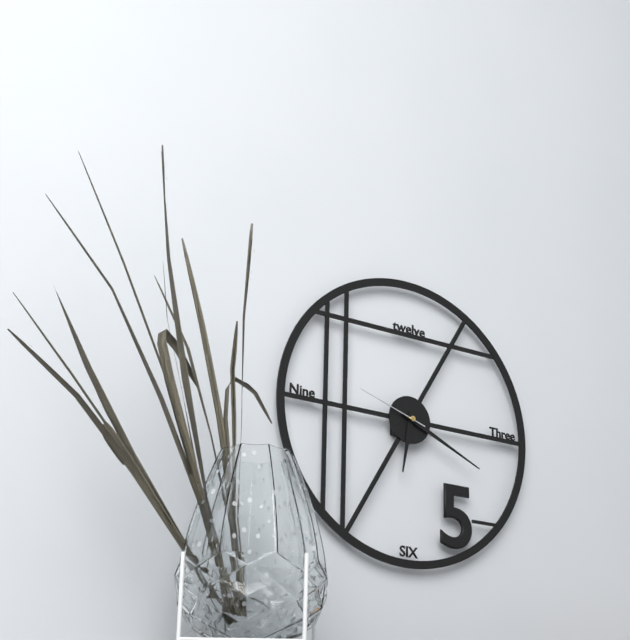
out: 6:19:48
